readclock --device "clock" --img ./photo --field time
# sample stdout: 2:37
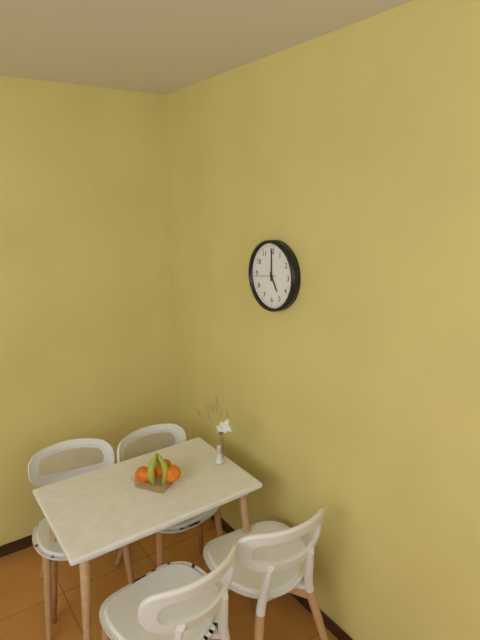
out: 5:00
